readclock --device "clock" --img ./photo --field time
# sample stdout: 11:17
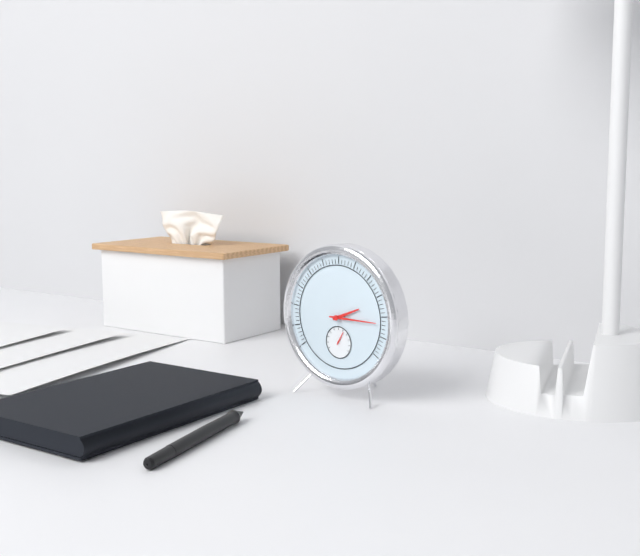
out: 2:15
